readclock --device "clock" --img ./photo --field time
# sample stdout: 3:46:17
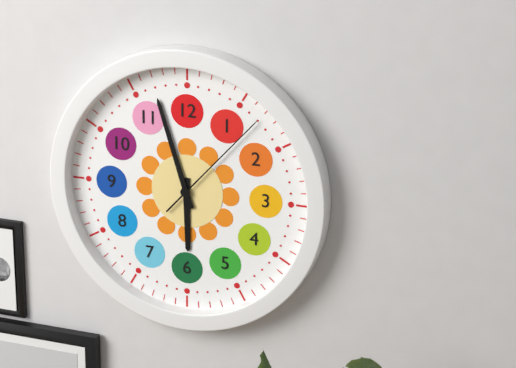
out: 5:57:07
